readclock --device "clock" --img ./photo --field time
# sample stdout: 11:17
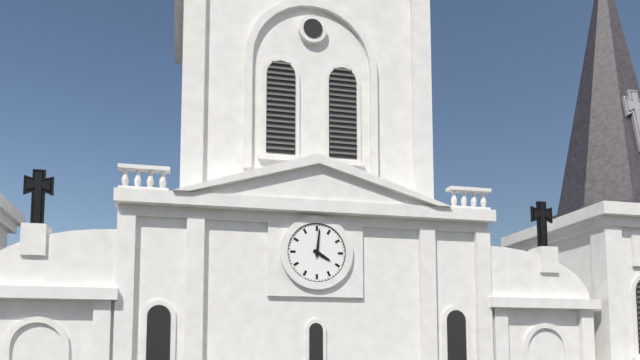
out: 4:01
